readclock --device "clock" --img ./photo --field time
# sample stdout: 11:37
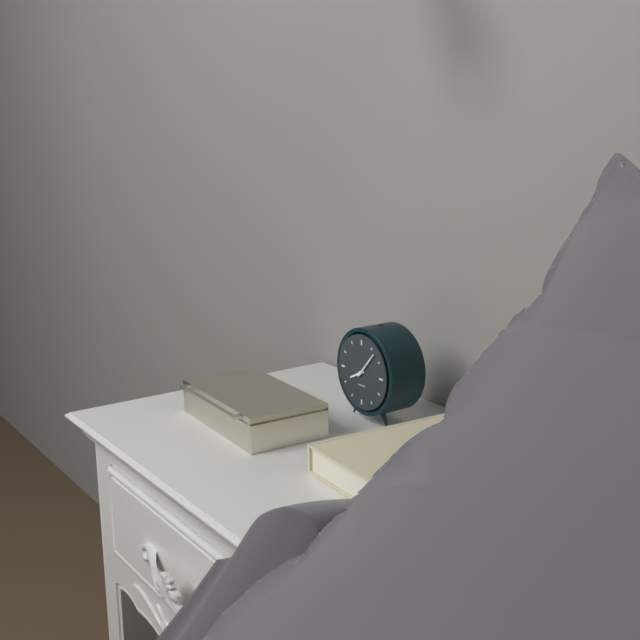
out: 8:07
